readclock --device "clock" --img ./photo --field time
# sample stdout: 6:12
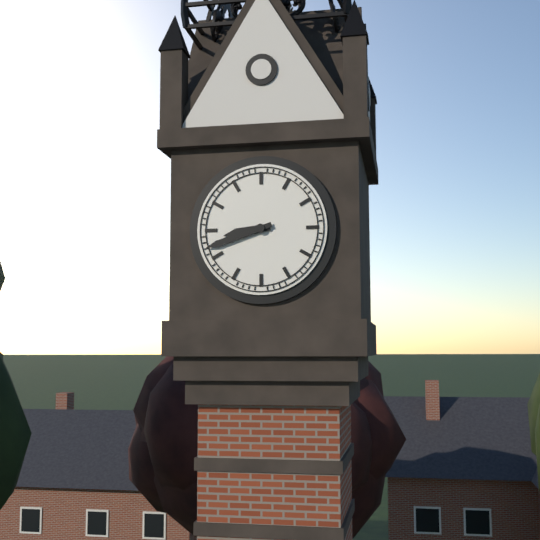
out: 8:42
